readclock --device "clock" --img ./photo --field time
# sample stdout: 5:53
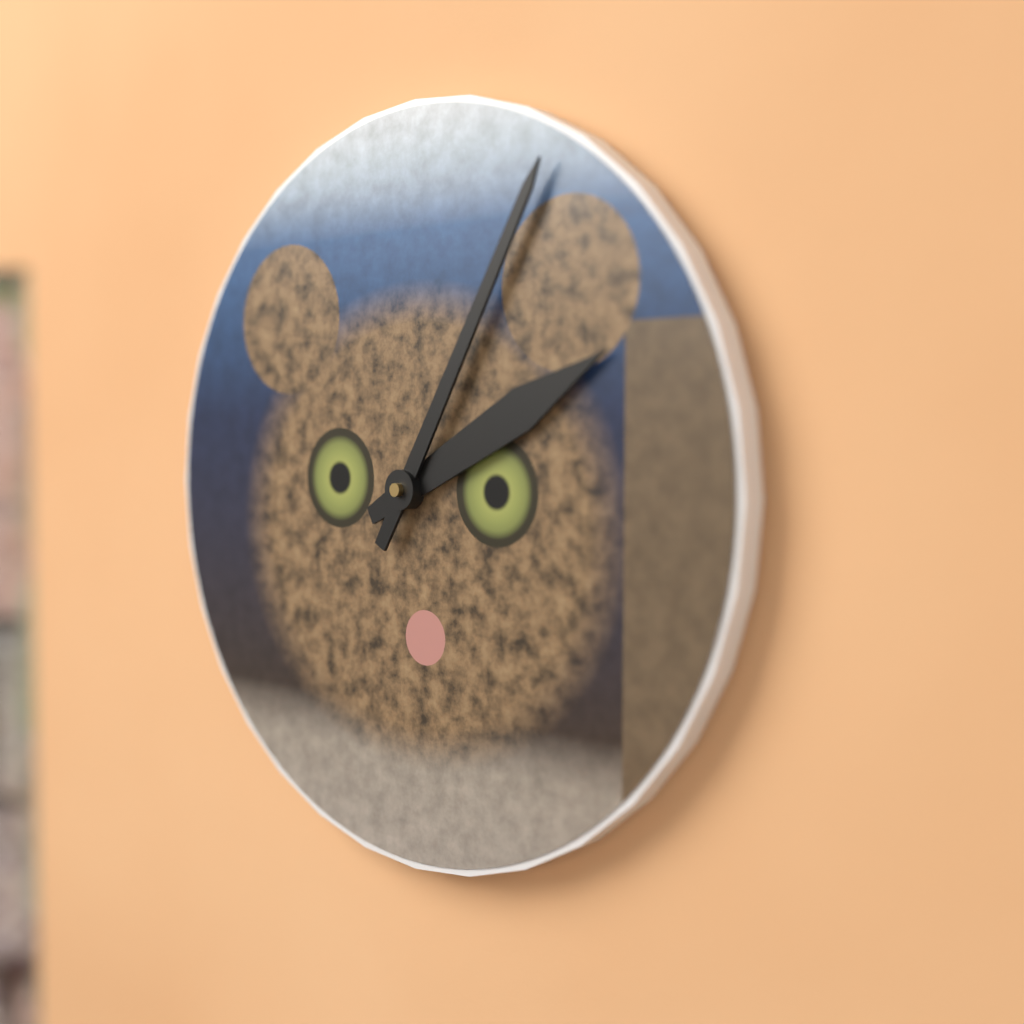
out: 2:05
